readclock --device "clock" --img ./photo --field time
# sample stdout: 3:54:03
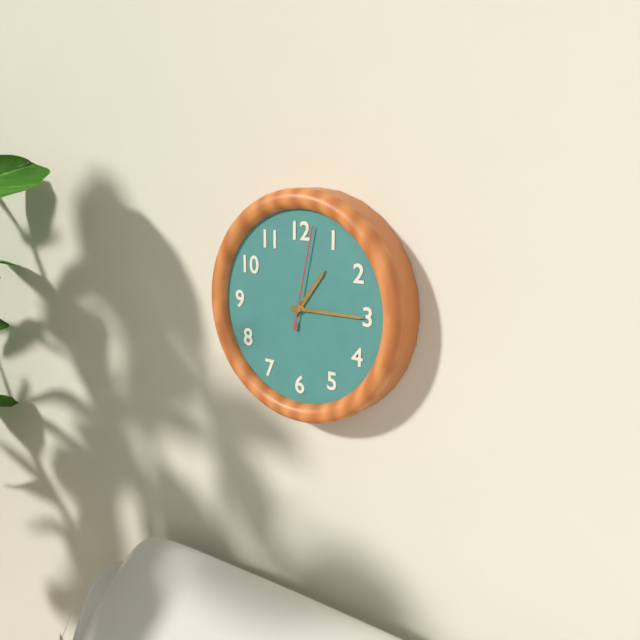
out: 1:15:02
